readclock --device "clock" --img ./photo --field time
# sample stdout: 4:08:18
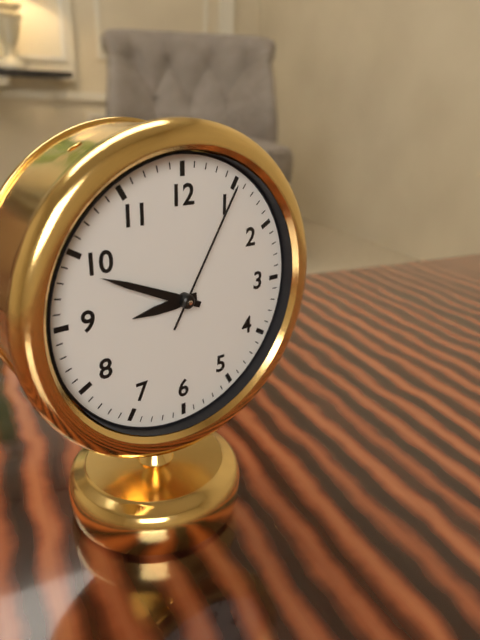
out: 8:49:05
